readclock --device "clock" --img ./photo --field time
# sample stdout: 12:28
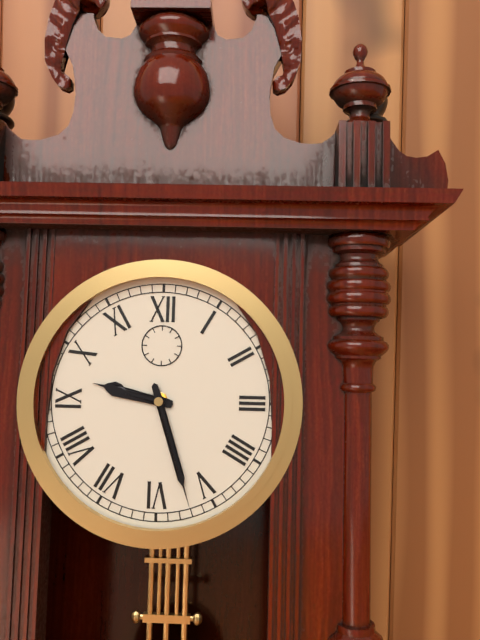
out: 9:27
